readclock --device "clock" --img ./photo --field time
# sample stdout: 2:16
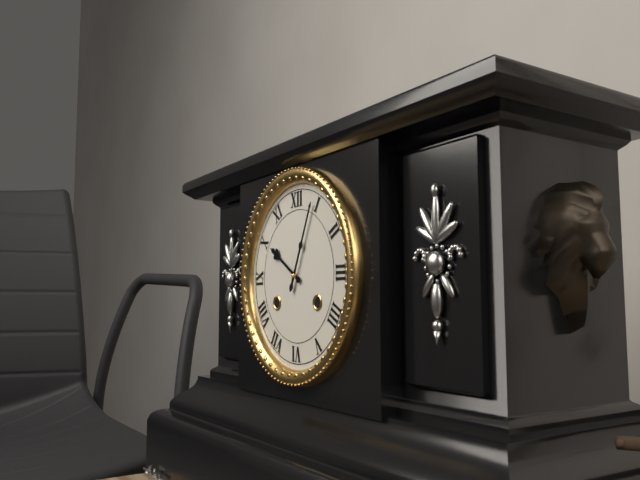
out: 10:04
